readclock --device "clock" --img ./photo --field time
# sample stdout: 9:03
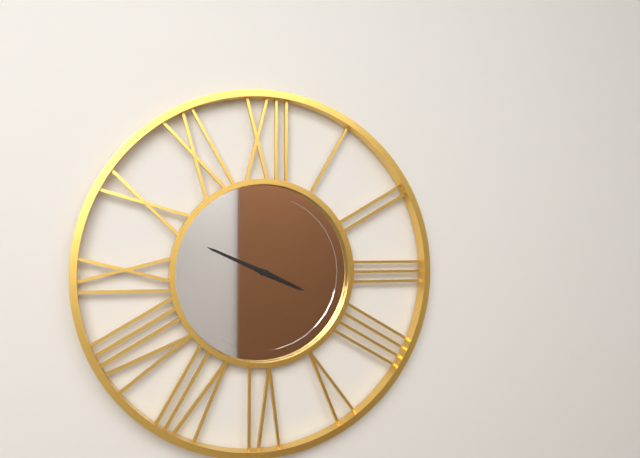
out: 3:49
